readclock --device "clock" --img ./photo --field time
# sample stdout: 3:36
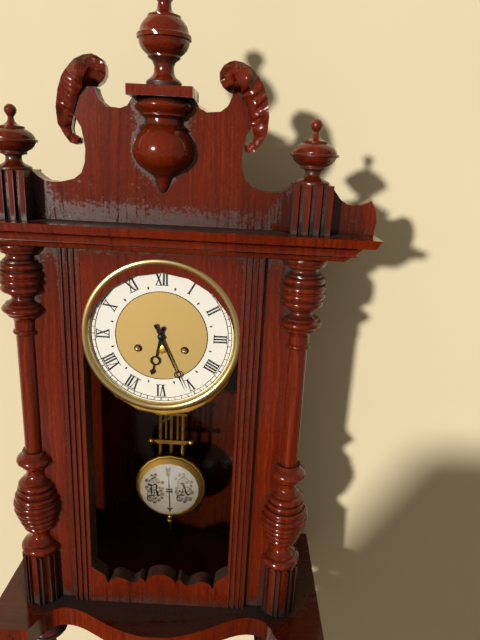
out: 6:26
